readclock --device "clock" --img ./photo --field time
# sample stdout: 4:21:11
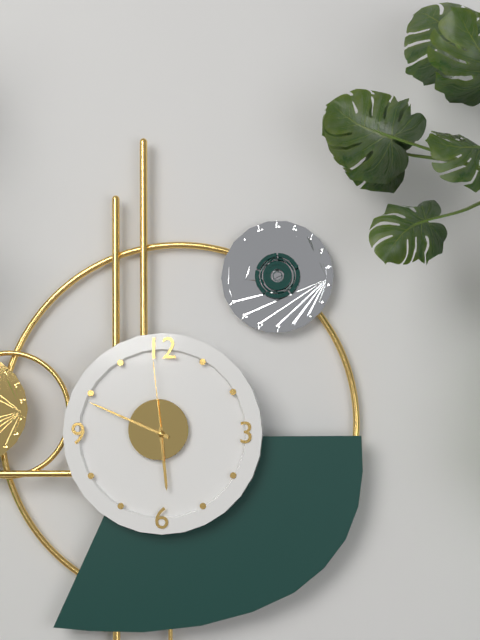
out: 5:49:59
